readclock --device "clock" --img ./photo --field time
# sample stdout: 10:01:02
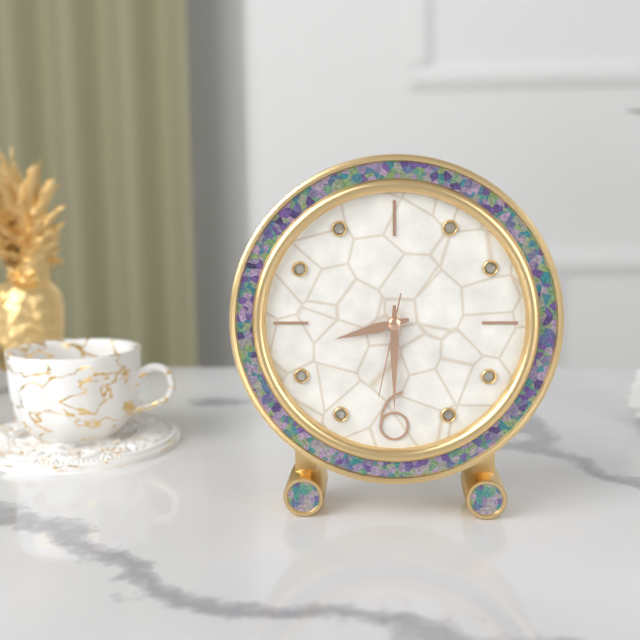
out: 8:30:32
